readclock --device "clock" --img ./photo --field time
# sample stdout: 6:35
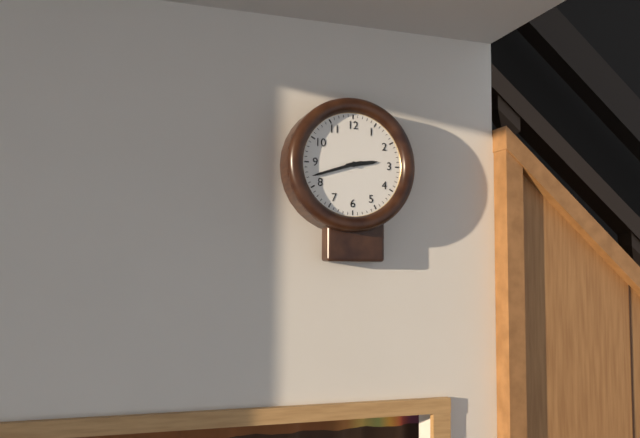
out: 2:42
